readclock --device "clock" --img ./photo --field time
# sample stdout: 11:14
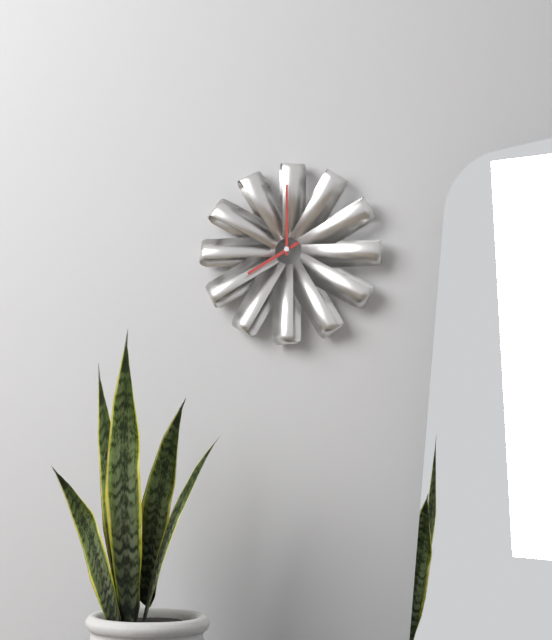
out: 8:00
